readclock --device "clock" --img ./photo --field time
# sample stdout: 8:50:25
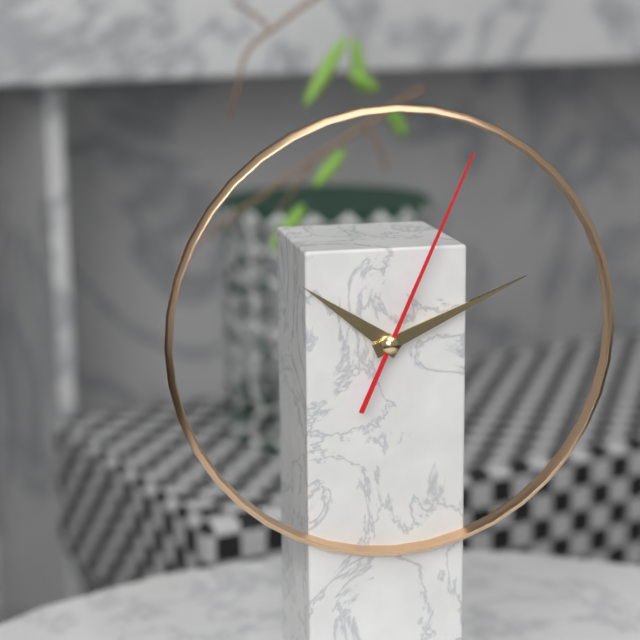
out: 10:11:04
